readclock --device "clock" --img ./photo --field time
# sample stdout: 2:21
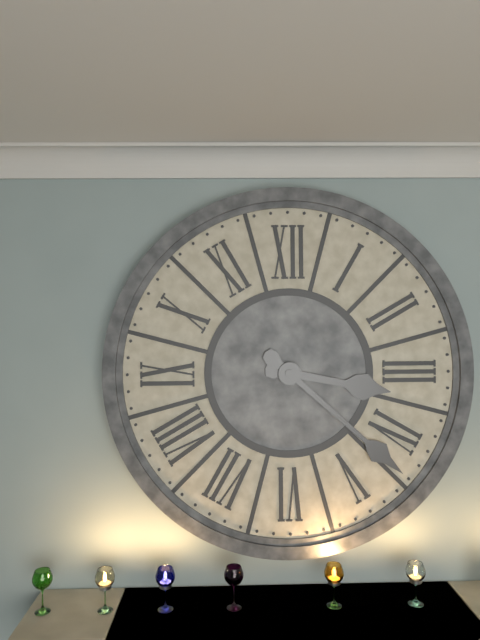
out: 3:22
